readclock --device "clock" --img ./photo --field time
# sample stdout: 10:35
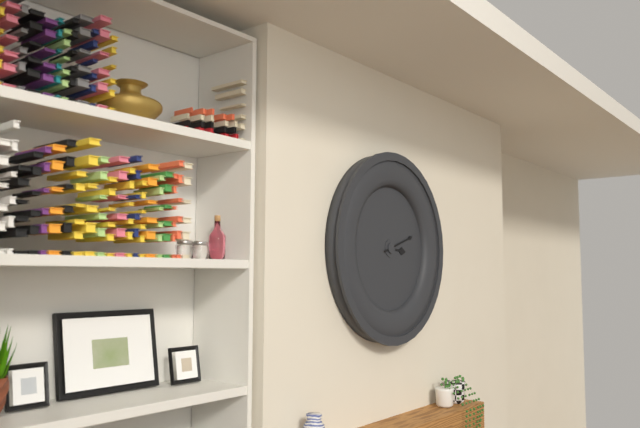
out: 3:12
